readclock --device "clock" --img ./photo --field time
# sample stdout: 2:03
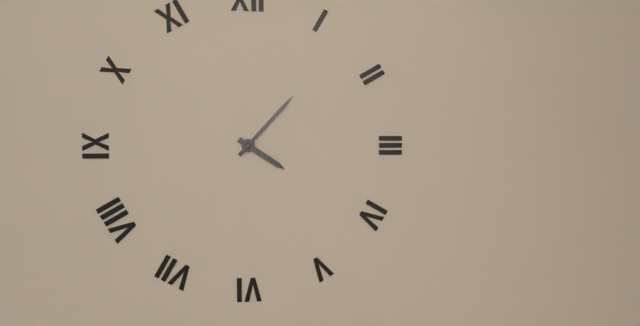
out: 4:07
